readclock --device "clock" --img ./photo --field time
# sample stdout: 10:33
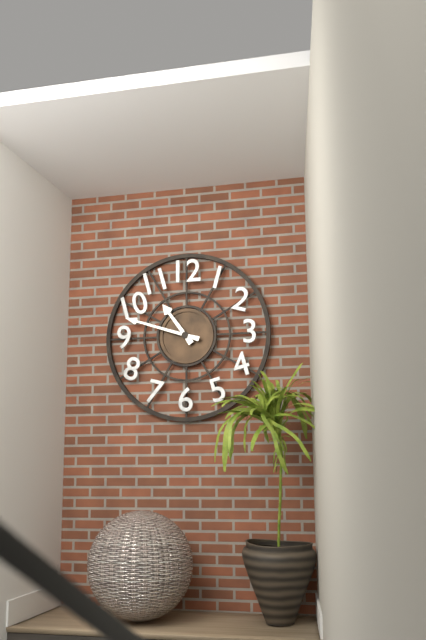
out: 10:48
